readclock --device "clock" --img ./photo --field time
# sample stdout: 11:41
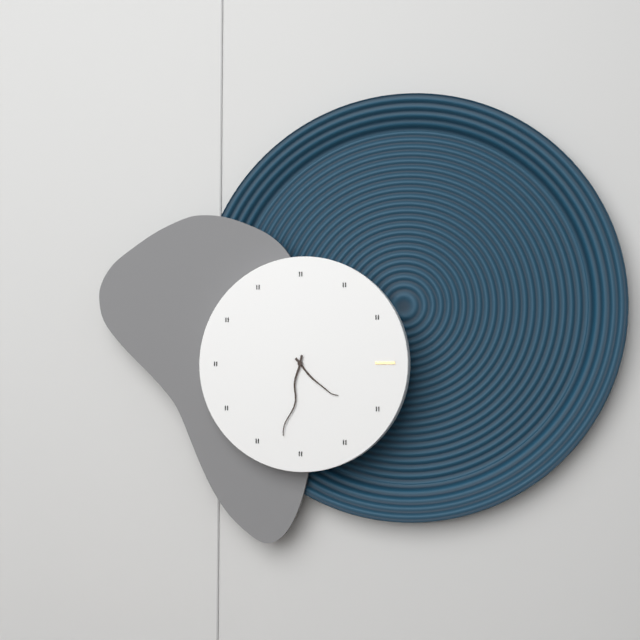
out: 4:32
